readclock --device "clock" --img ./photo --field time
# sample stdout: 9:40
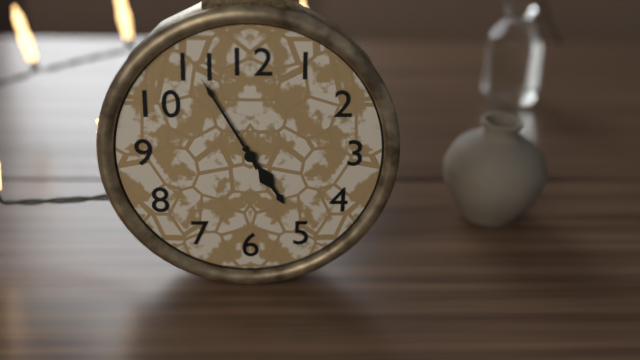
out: 4:55
